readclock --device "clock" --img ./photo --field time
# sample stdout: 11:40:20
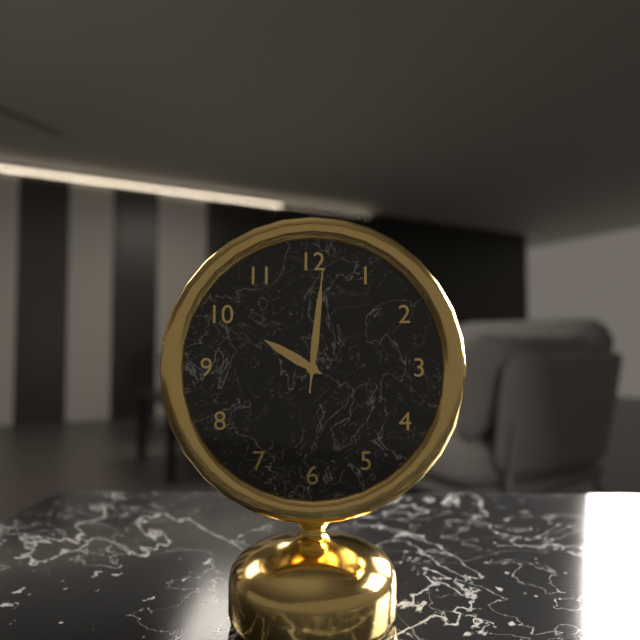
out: 10:01:01
